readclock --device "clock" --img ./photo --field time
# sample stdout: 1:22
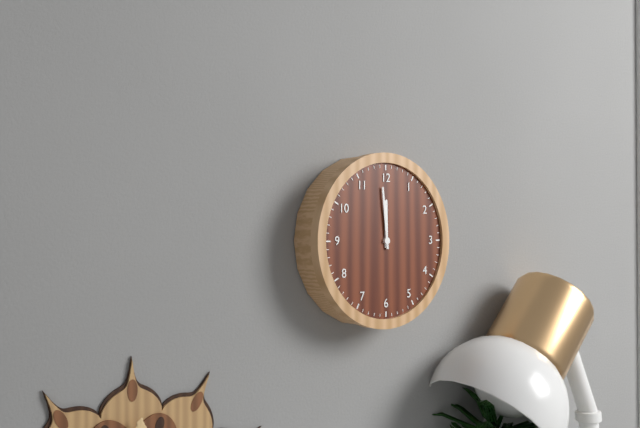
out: 11:59
